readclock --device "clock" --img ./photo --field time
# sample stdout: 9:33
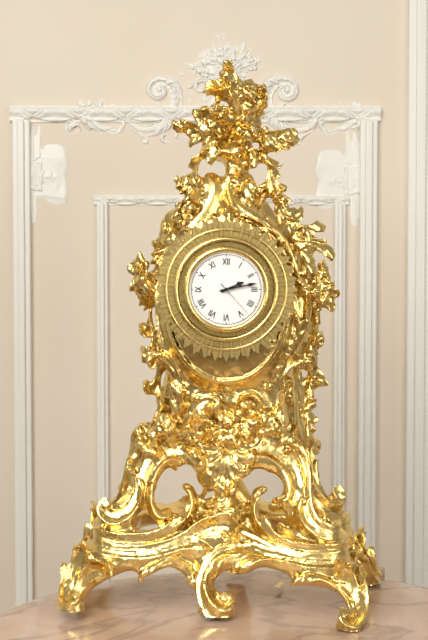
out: 2:13
